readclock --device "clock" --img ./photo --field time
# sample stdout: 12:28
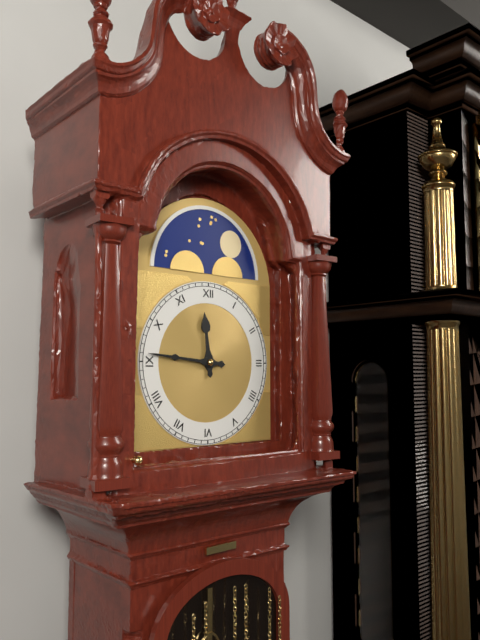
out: 11:46
